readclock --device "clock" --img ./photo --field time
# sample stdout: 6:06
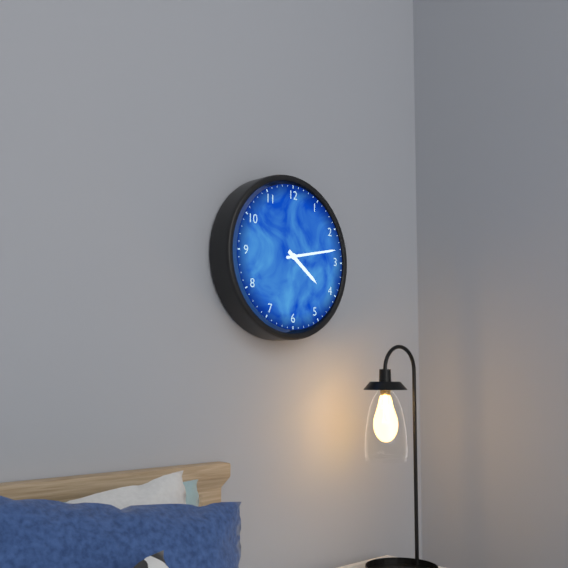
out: 4:13
